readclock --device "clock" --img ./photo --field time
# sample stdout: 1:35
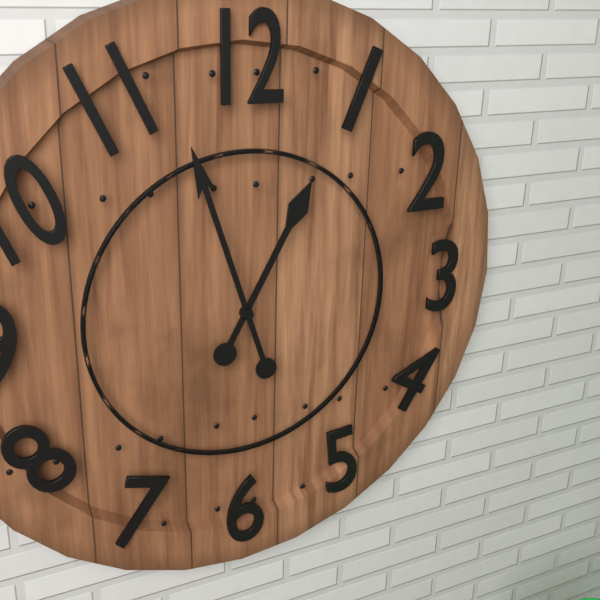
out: 12:57
